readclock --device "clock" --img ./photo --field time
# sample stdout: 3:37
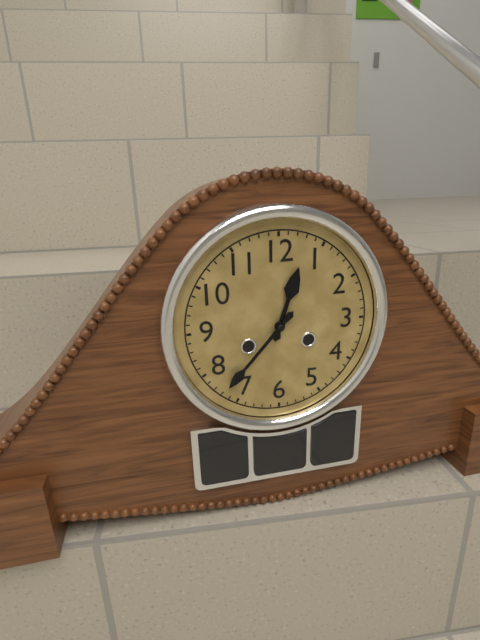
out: 12:37
